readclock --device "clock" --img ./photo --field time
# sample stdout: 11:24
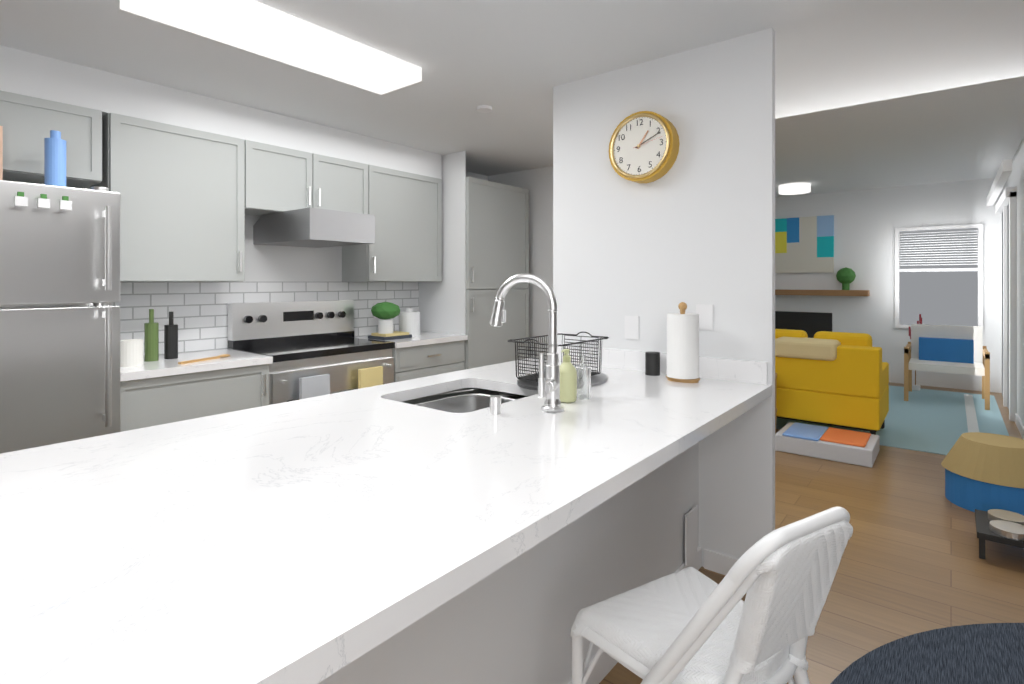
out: 1:11
